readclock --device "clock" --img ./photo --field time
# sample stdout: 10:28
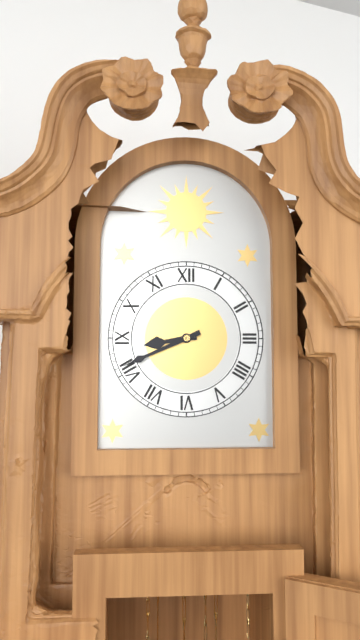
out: 8:41
